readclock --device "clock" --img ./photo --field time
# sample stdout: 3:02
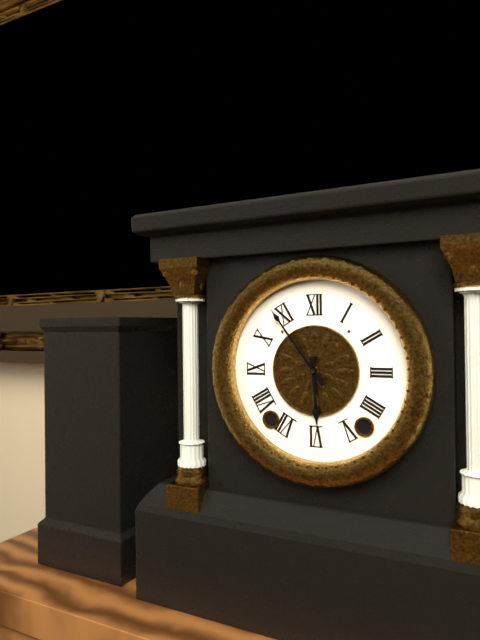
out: 5:54
